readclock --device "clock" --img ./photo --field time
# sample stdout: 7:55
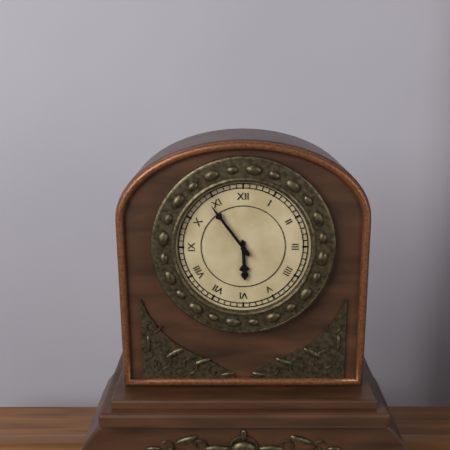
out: 5:54
